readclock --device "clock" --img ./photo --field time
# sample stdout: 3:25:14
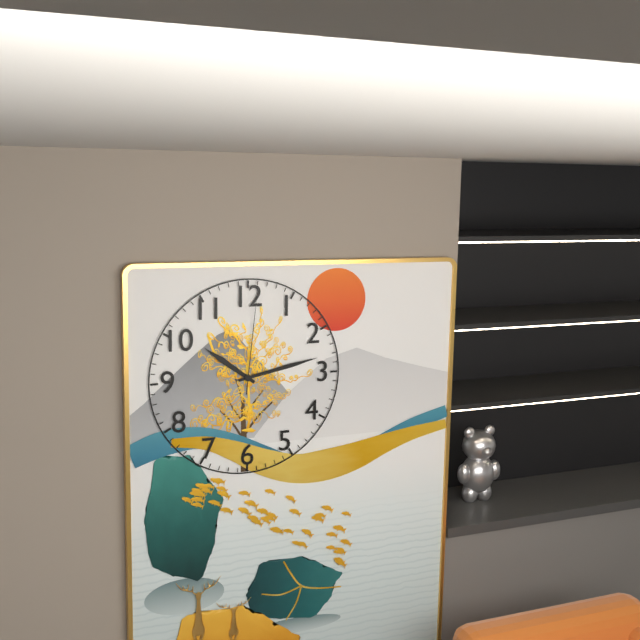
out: 10:13:01
